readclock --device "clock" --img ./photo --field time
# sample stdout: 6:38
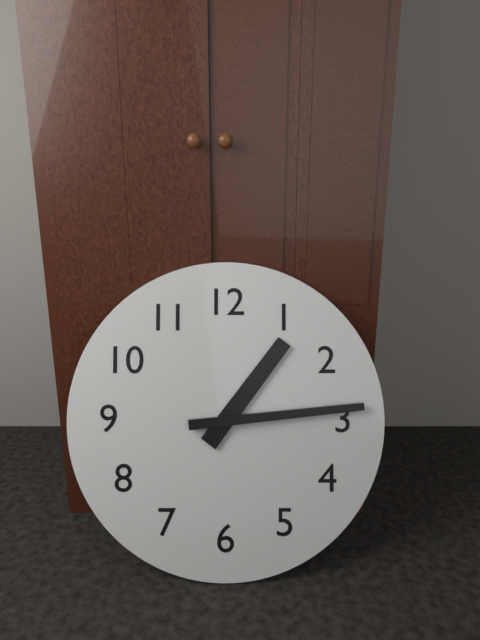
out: 1:14
